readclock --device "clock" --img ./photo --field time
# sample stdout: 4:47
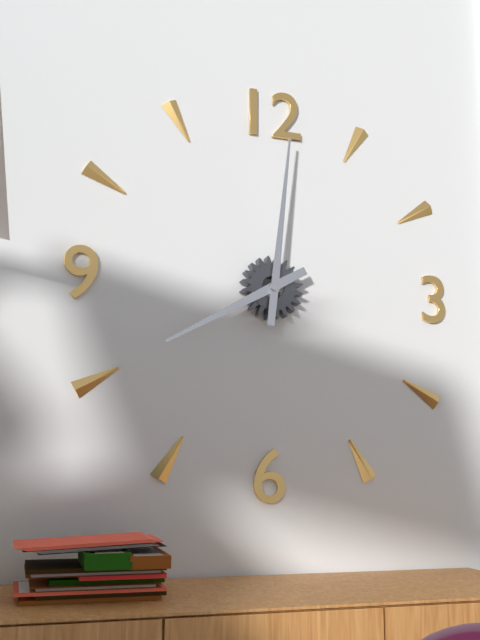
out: 8:01
